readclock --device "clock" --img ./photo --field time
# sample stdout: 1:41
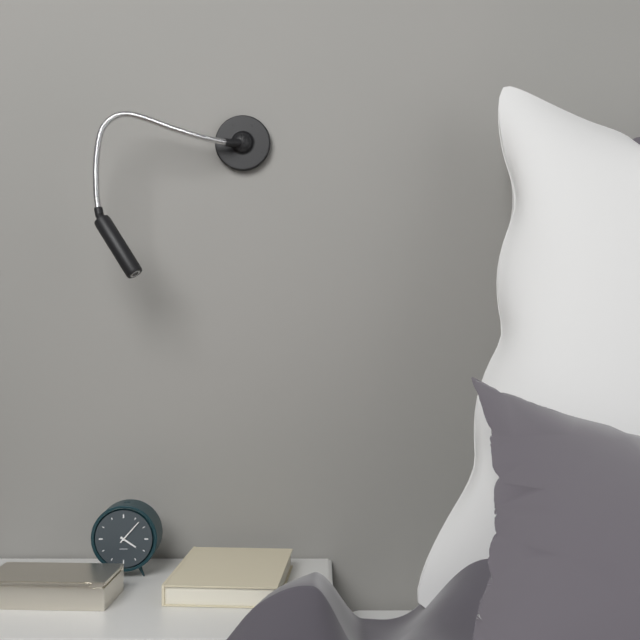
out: 4:07
